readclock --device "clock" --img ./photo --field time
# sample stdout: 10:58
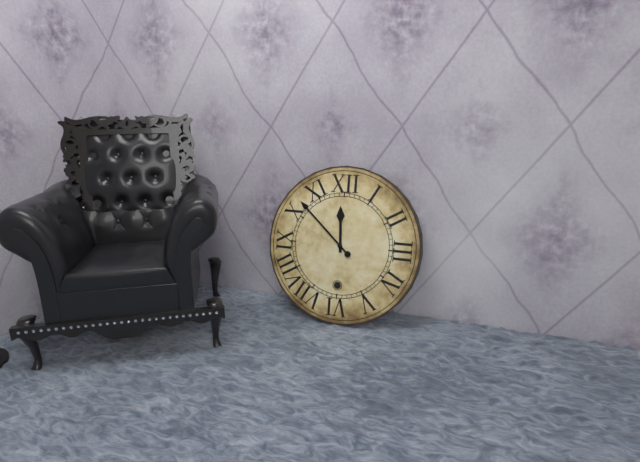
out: 11:52
